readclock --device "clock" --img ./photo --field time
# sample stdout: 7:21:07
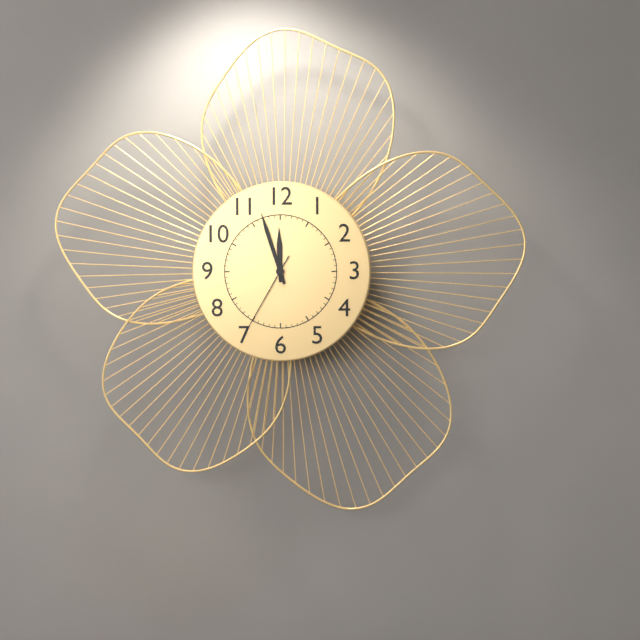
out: 11:57:35
